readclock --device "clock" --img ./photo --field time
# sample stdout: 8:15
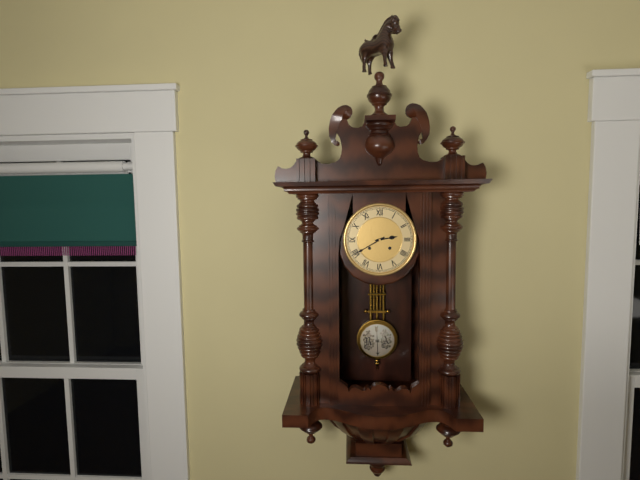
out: 2:40
